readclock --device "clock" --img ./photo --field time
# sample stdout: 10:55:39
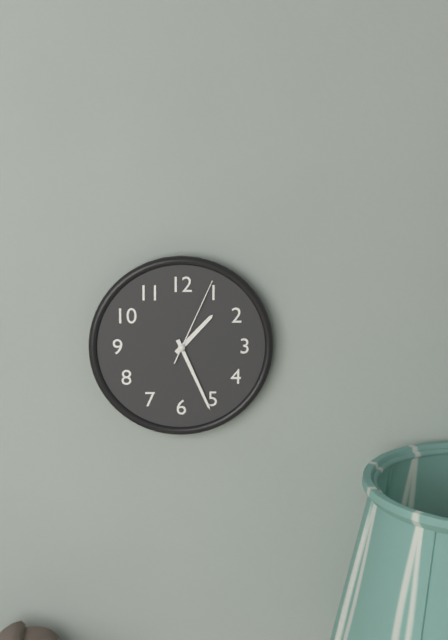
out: 1:26:04
